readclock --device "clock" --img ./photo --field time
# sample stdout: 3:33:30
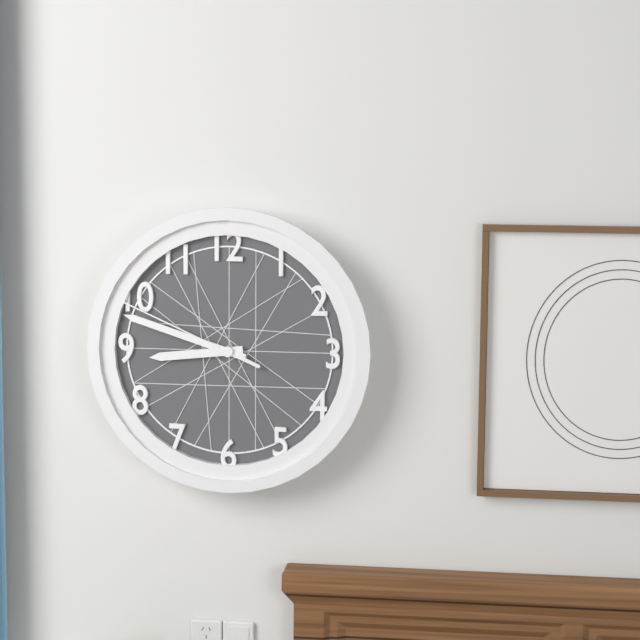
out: 8:48:49
